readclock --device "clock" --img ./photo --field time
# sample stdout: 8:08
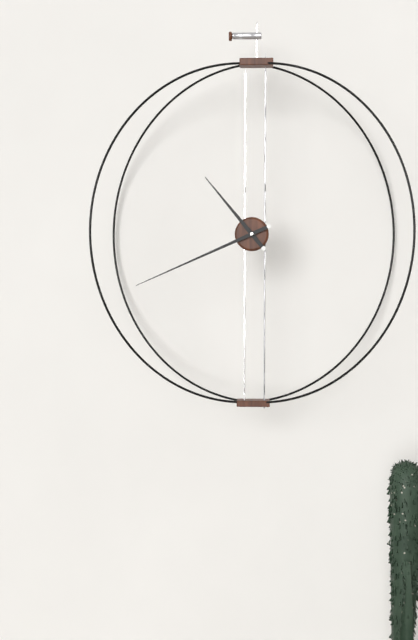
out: 10:41
